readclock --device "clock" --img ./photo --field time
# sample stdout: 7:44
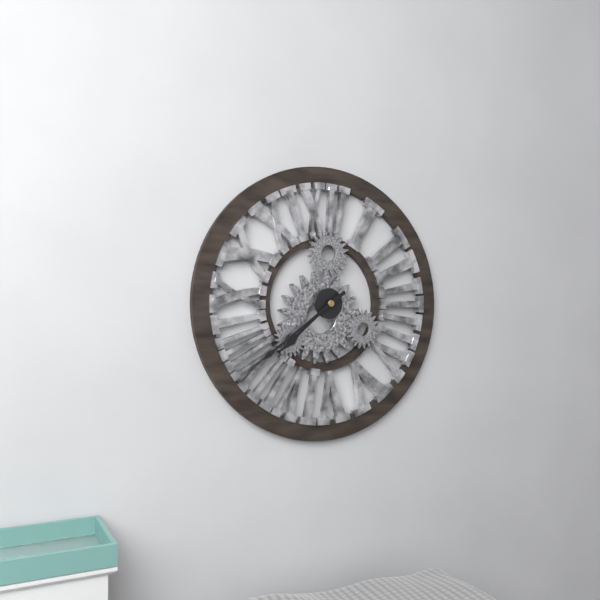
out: 7:39
